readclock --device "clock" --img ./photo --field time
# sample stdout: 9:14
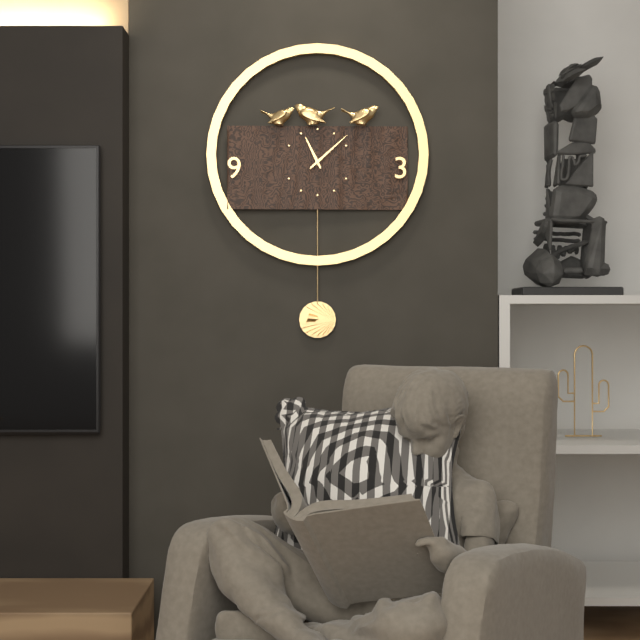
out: 11:08
